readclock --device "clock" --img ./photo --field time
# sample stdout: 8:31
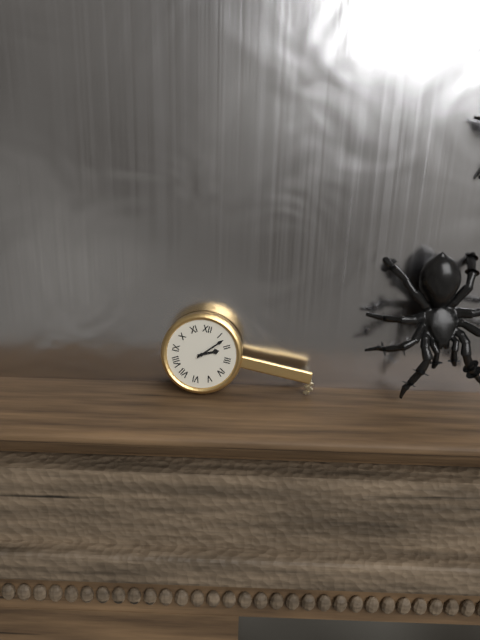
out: 2:07
